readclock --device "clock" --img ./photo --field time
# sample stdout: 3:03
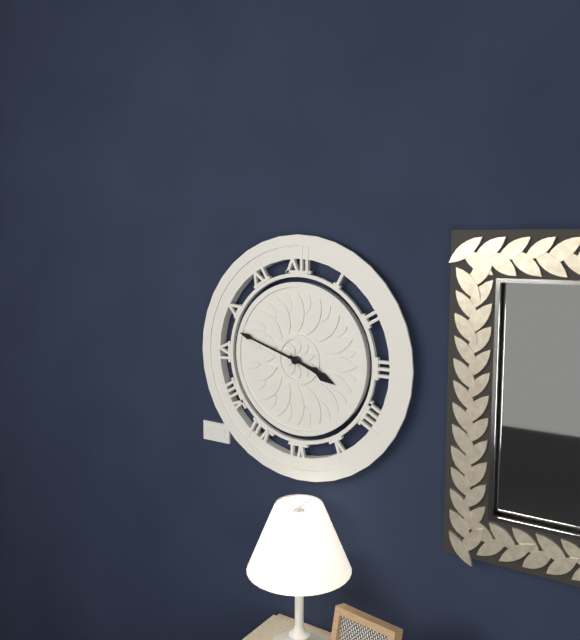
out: 3:48
